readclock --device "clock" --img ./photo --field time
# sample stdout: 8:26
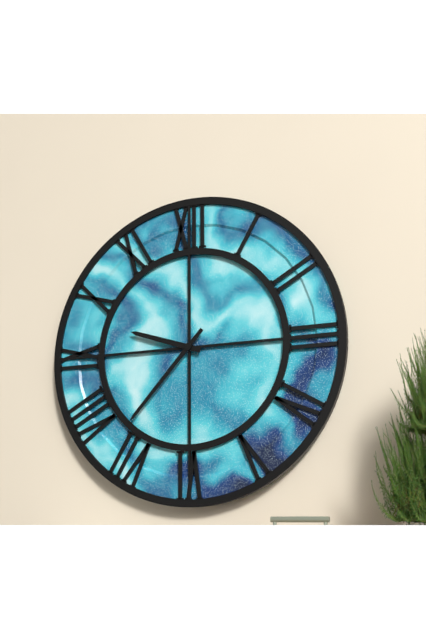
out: 9:37
